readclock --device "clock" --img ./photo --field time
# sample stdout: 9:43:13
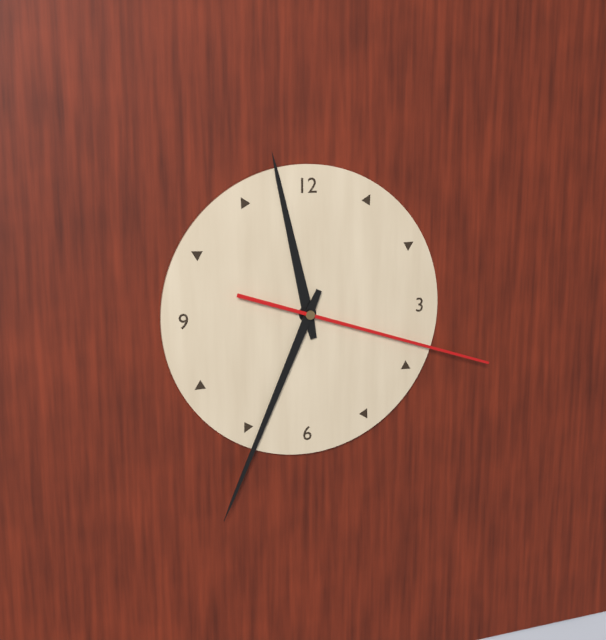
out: 11:34:18
